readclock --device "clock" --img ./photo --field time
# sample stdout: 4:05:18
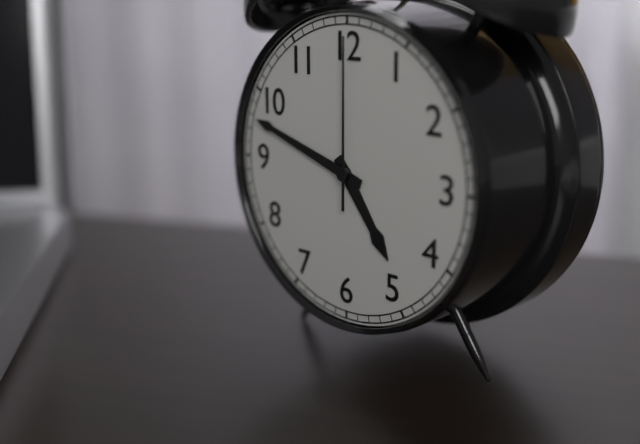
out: 4:48:00
